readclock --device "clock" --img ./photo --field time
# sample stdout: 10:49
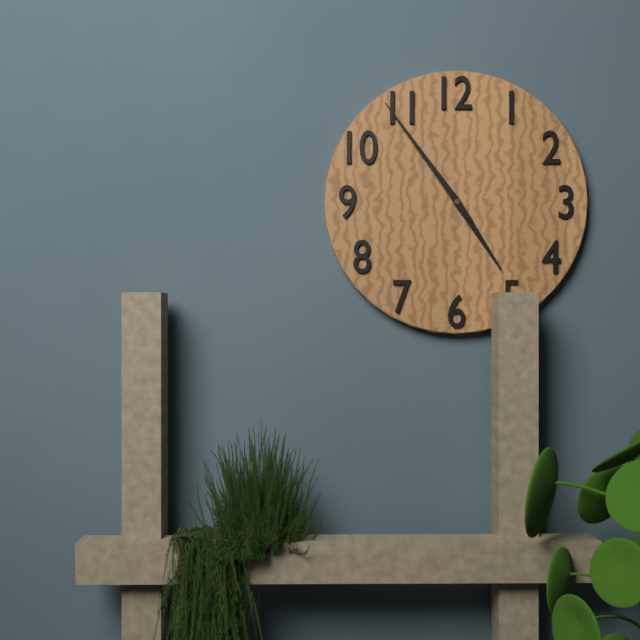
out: 4:54
